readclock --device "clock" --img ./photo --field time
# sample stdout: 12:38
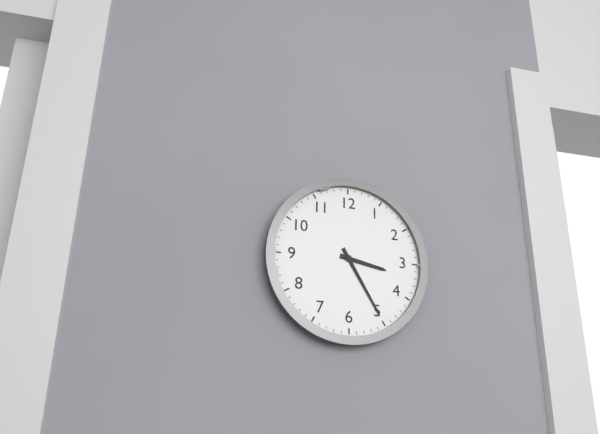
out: 3:25
